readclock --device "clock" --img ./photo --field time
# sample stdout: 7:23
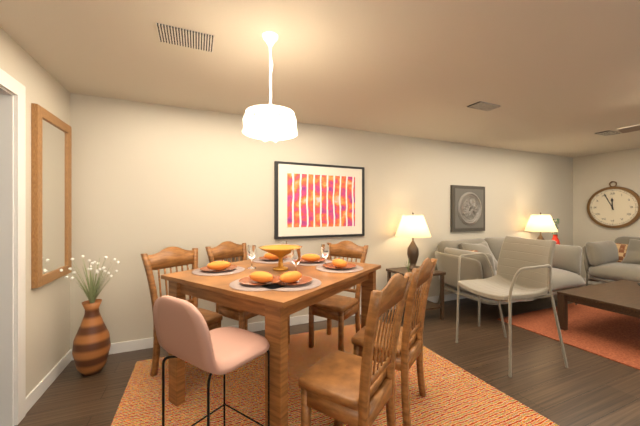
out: 11:56
